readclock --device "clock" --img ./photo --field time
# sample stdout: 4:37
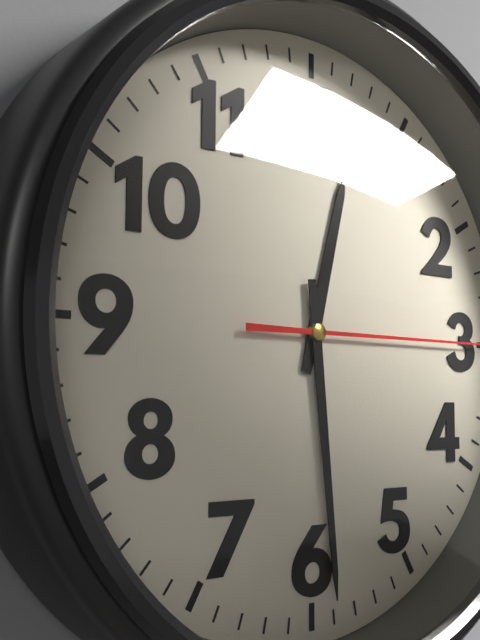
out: 12:29
